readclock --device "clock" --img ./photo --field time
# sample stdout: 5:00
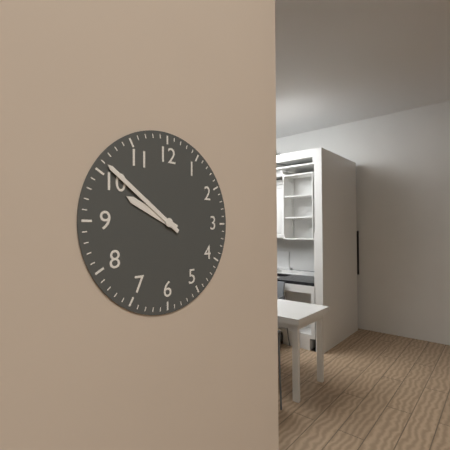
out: 9:51
